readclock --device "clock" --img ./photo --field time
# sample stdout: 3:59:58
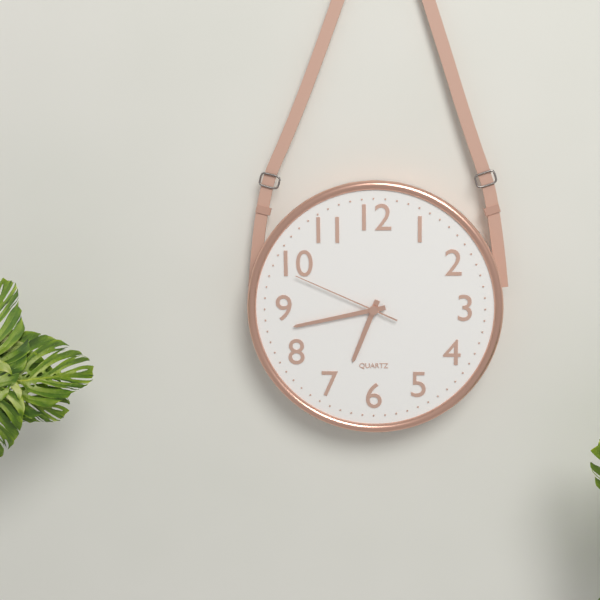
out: 6:43:49
